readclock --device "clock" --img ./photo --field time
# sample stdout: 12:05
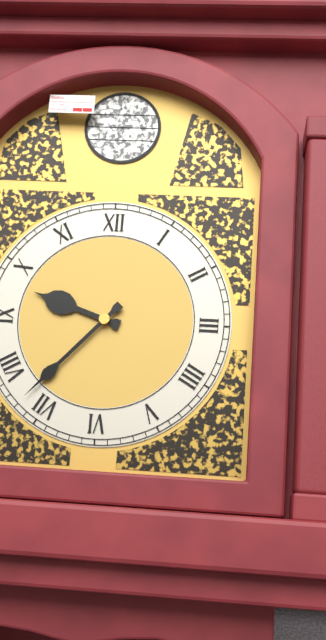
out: 9:37
